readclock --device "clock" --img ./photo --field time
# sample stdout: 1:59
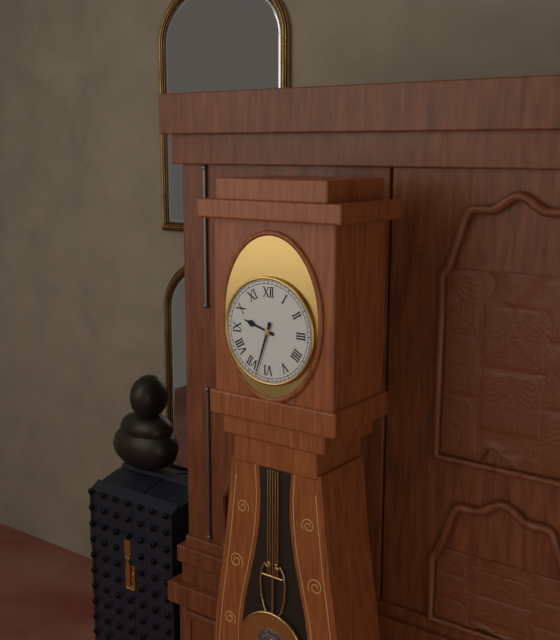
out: 9:33
